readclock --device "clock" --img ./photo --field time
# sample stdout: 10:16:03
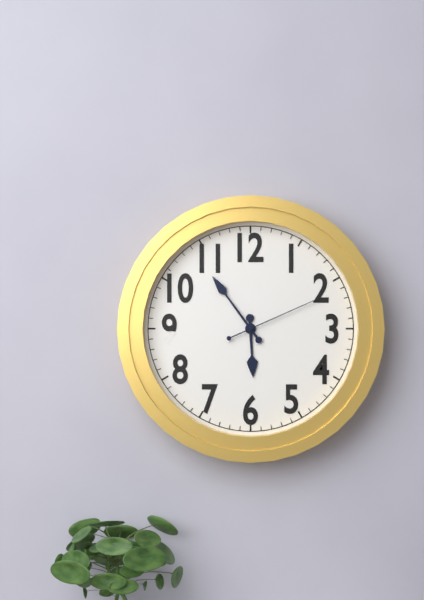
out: 5:54:11
